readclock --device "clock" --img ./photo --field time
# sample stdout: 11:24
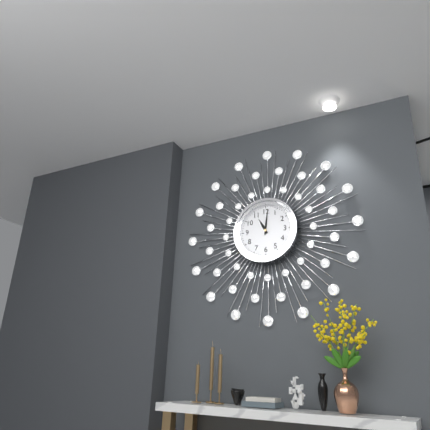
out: 11:01
